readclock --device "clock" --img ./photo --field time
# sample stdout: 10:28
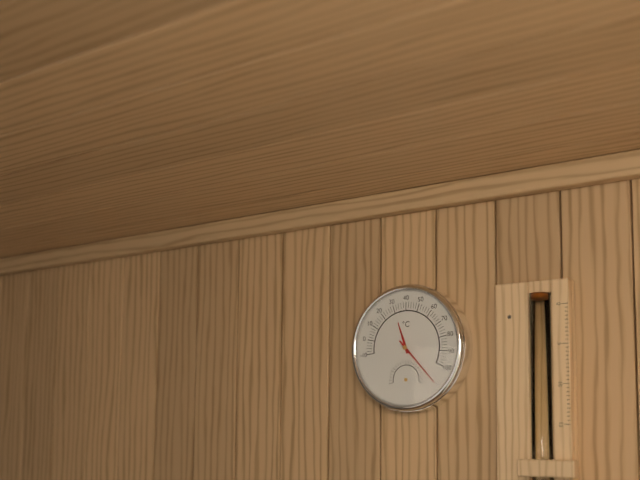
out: 11:23
